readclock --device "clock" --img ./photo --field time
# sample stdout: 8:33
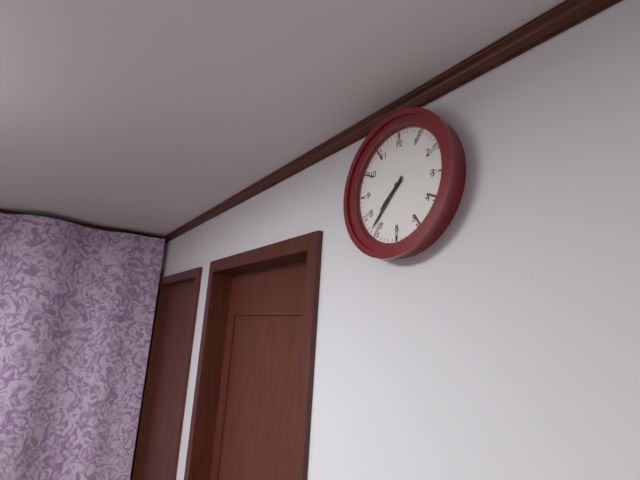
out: 7:37
